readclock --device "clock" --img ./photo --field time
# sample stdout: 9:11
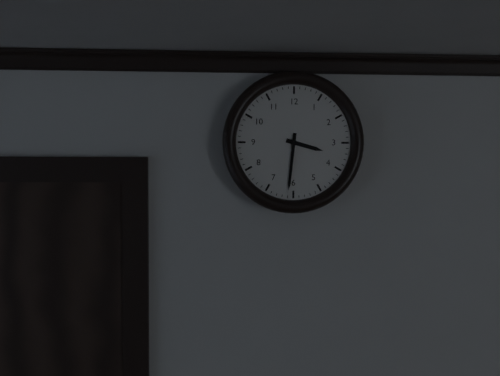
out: 3:31
